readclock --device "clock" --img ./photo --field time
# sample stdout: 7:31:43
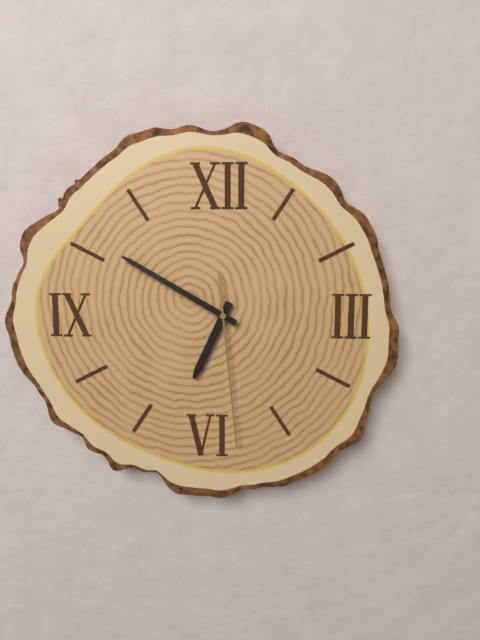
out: 6:50:29
